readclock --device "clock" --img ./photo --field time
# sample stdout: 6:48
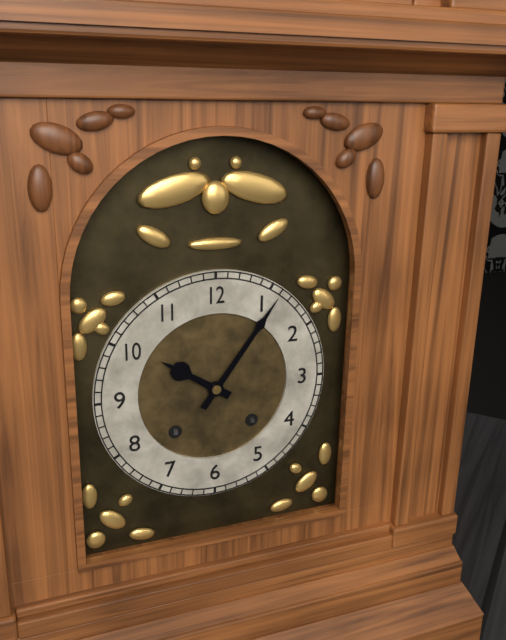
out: 10:06
